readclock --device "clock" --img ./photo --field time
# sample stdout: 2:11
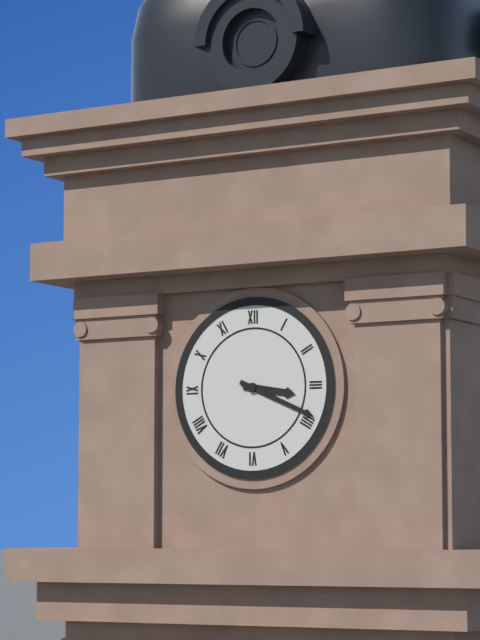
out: 3:19
